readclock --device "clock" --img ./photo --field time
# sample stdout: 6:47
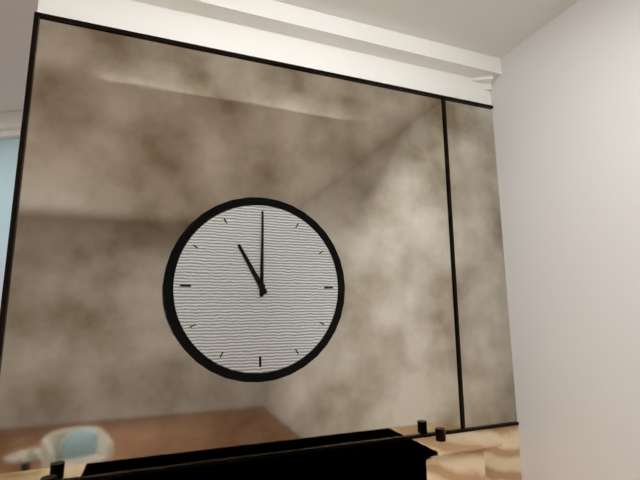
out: 11:00
